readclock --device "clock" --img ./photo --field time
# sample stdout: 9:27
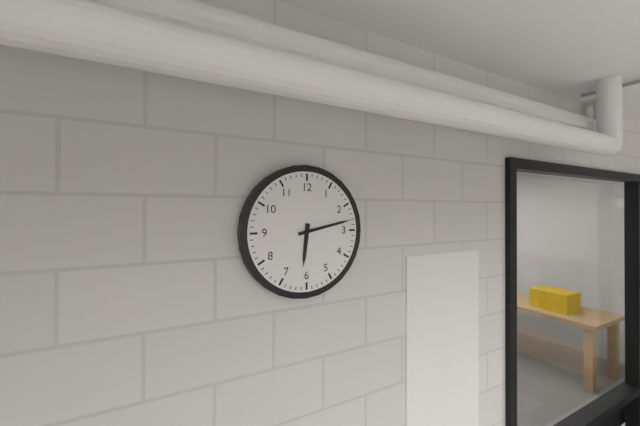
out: 6:13
